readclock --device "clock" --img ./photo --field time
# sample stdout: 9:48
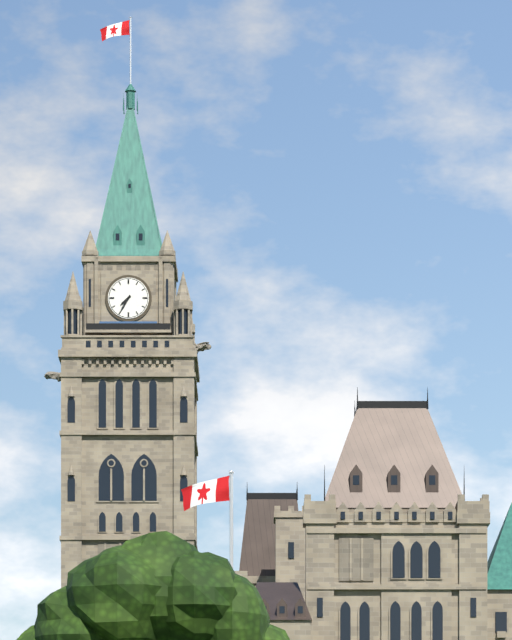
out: 7:35
